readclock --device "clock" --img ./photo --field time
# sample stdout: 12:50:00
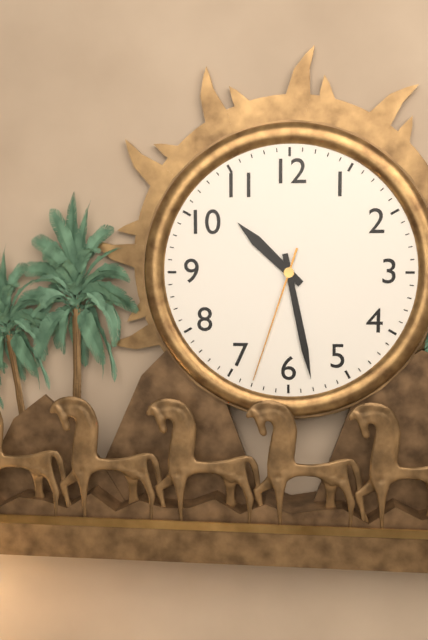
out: 10:28:33
